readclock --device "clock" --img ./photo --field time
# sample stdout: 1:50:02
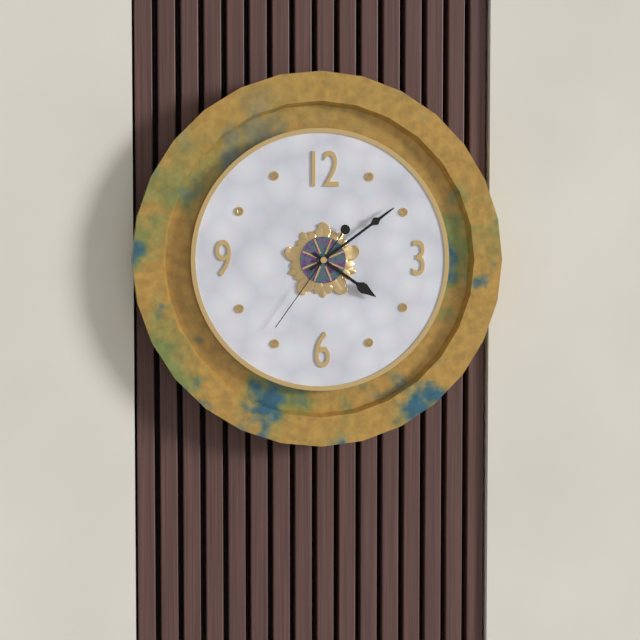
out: 4:09:36
